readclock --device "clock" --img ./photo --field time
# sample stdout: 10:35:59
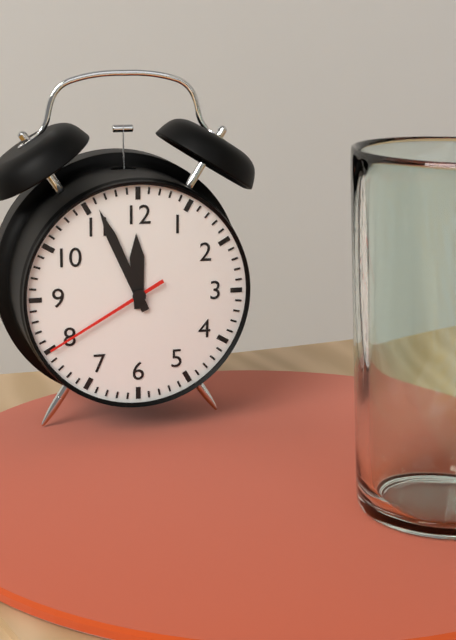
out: 11:56:40
